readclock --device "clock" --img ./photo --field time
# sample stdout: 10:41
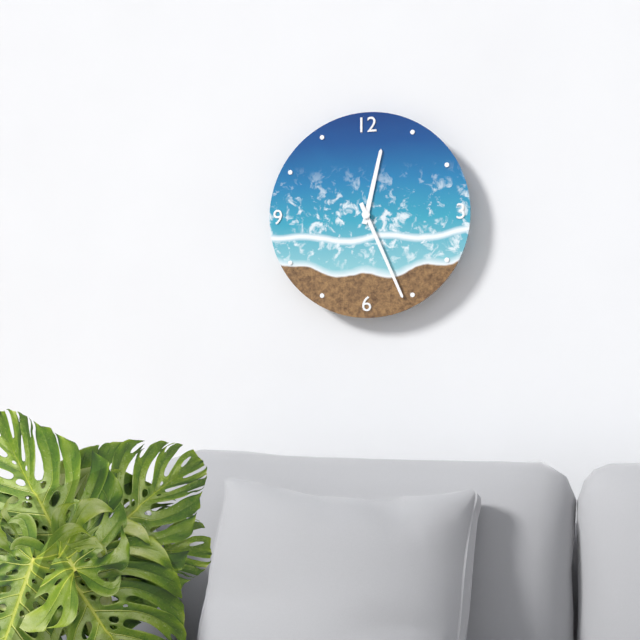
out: 12:26
